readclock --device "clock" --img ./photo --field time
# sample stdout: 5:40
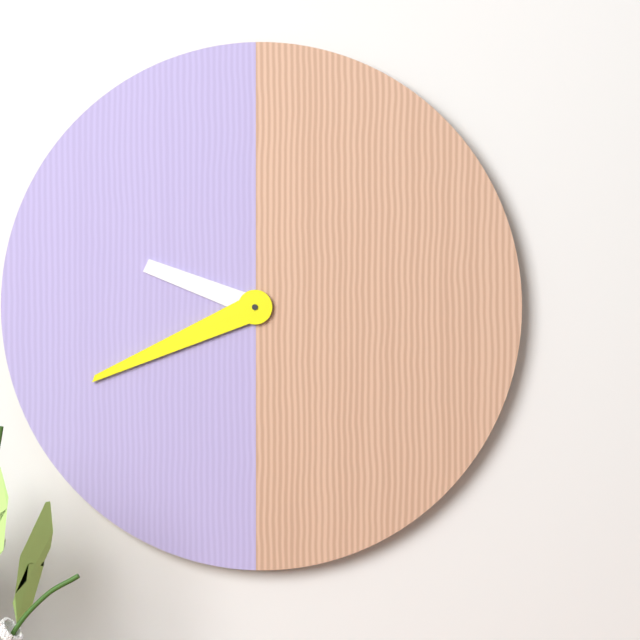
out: 9:41
